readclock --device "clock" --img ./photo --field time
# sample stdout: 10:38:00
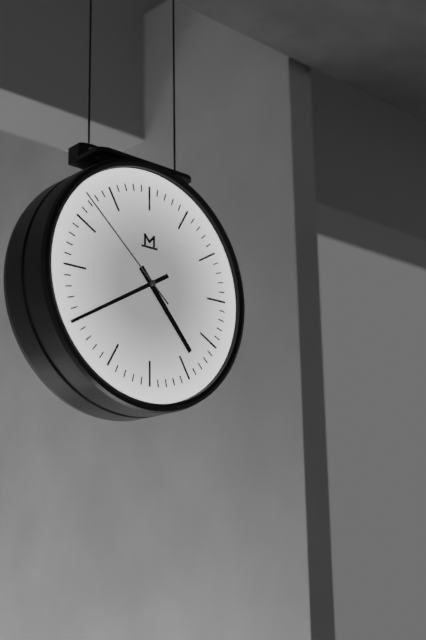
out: 4:40:52
